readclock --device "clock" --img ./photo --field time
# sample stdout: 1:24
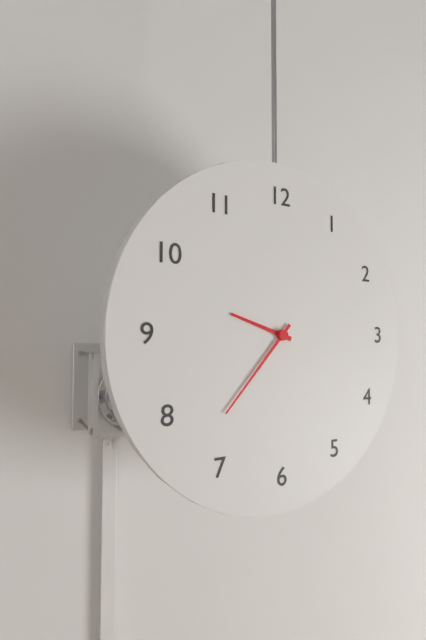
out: 9:37
